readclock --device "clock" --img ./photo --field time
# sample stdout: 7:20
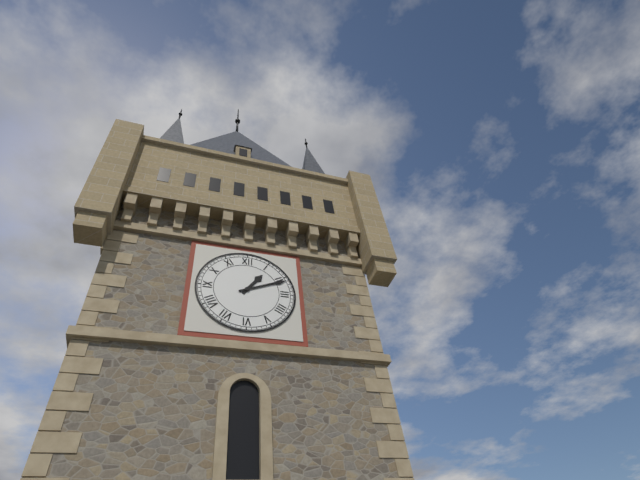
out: 1:11
